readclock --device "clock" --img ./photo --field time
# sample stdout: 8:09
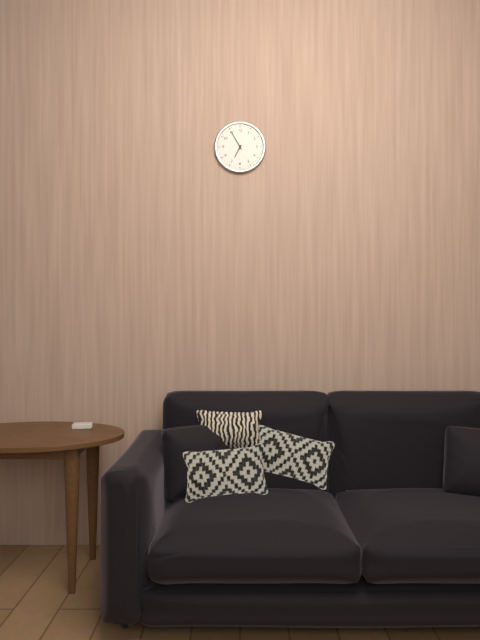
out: 6:55
